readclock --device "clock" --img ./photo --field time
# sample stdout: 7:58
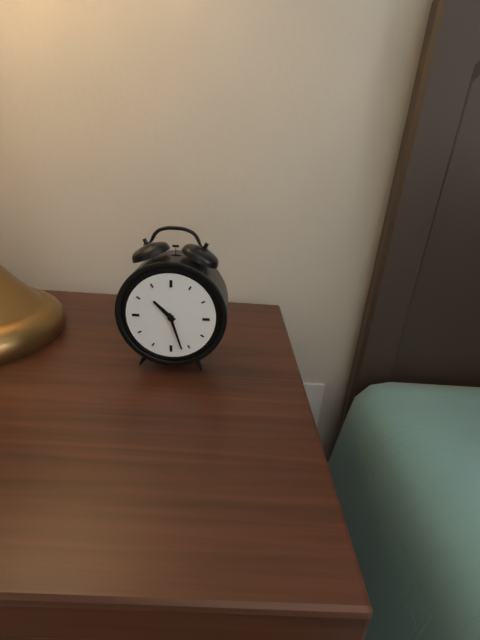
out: 10:27
